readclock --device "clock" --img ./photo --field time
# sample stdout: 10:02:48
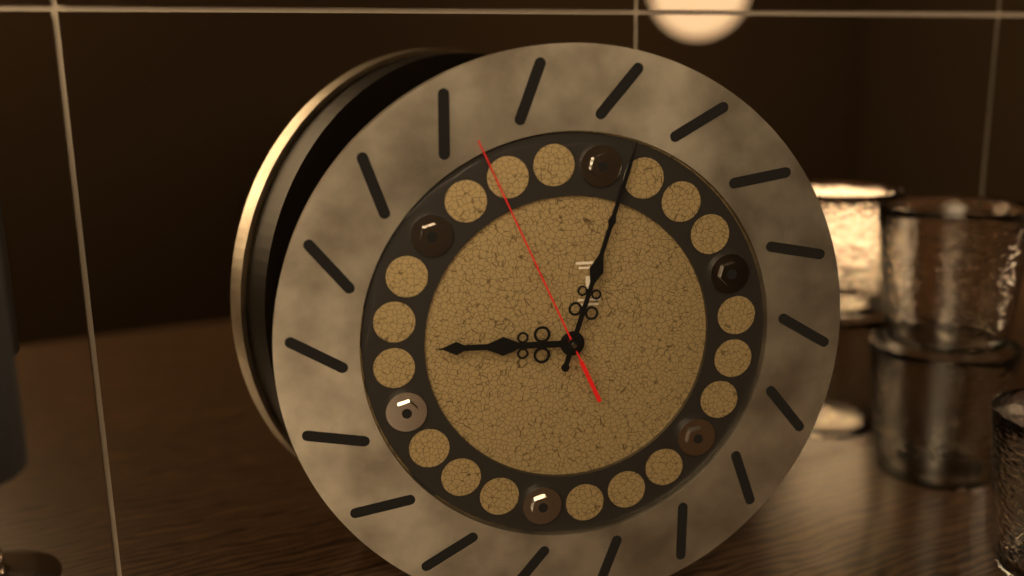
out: 9:03:56
